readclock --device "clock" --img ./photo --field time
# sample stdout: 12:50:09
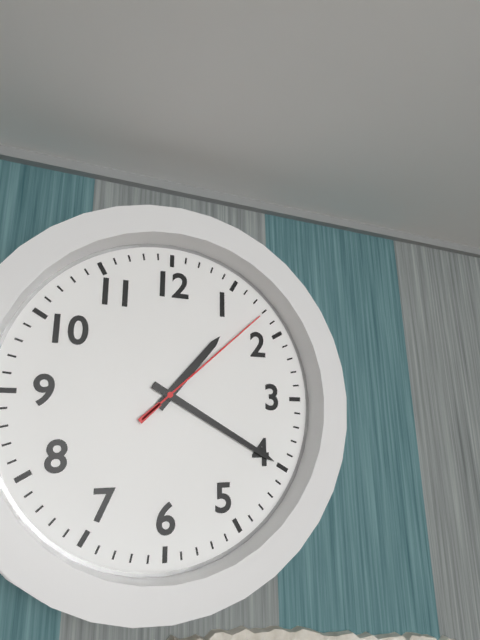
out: 1:20:08
